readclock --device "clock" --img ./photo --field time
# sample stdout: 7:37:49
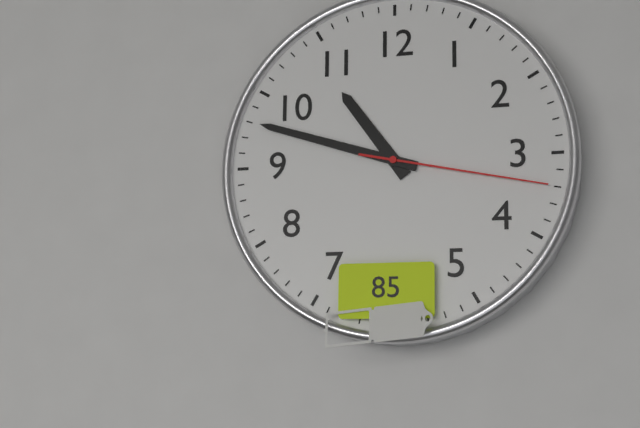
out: 10:48:17
